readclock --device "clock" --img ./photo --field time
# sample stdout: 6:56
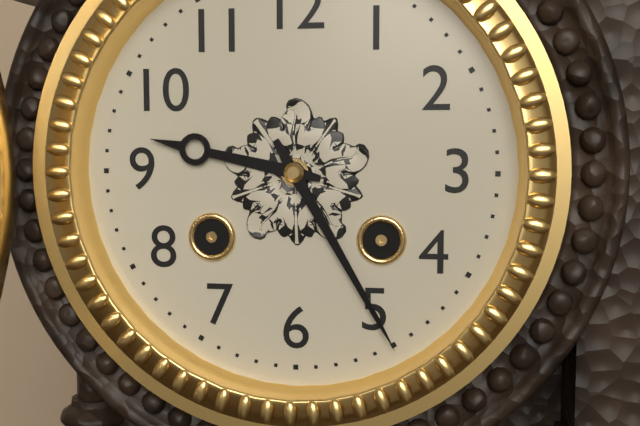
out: 9:25
